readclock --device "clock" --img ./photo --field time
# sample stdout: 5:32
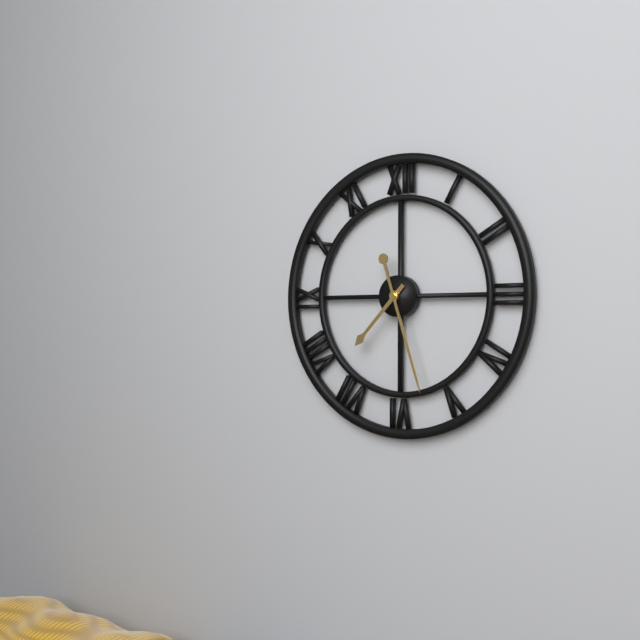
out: 7:27
